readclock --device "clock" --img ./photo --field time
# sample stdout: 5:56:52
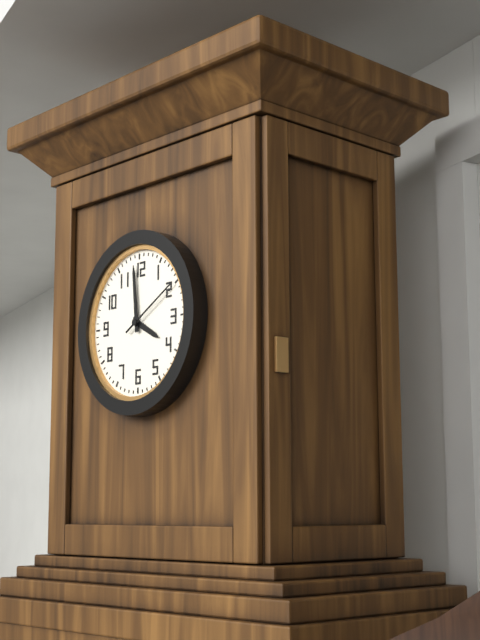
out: 3:59:10
